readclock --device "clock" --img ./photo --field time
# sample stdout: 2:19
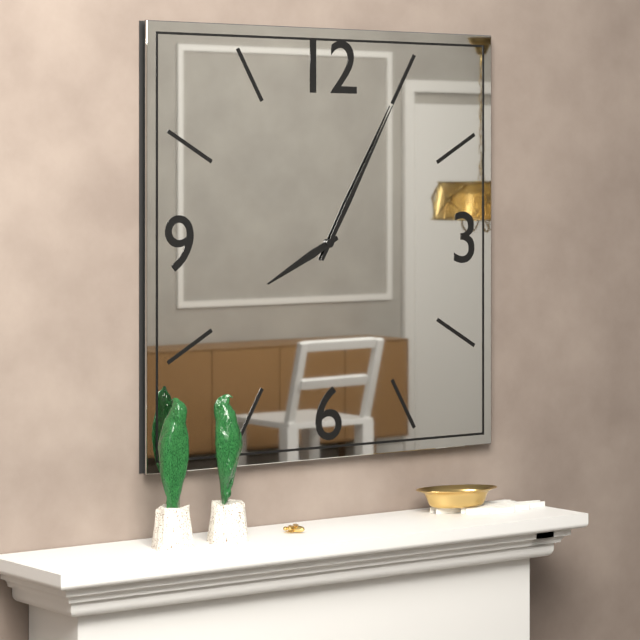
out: 8:05
